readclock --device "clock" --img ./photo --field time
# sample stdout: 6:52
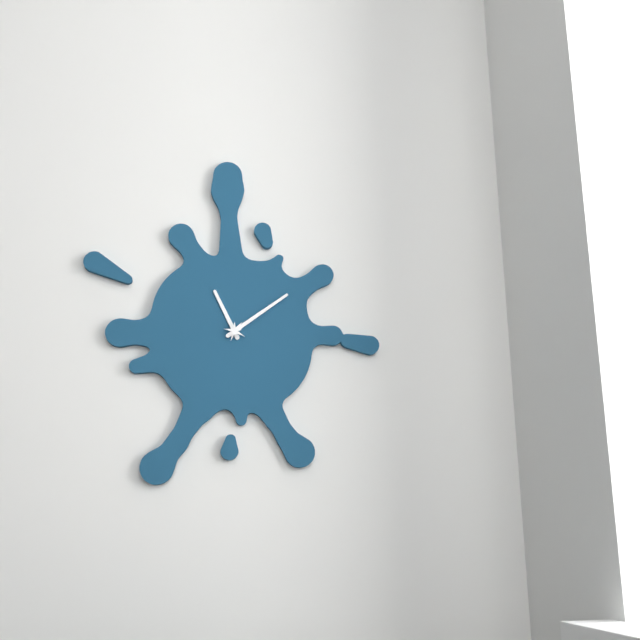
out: 11:09
